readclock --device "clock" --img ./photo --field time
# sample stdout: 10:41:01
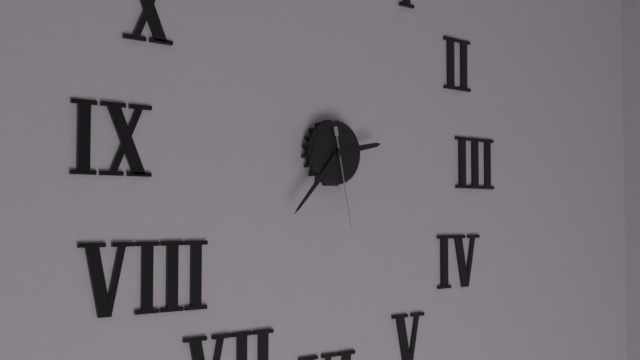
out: 2:37:28
